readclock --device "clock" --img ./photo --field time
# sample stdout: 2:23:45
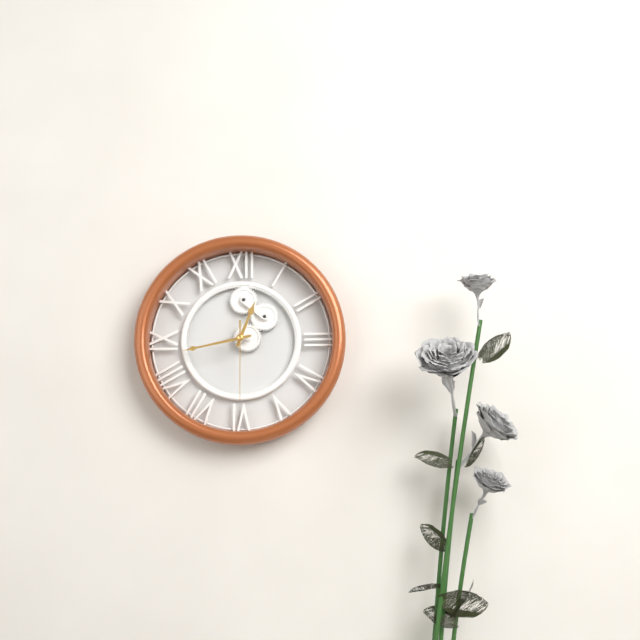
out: 12:43:30
